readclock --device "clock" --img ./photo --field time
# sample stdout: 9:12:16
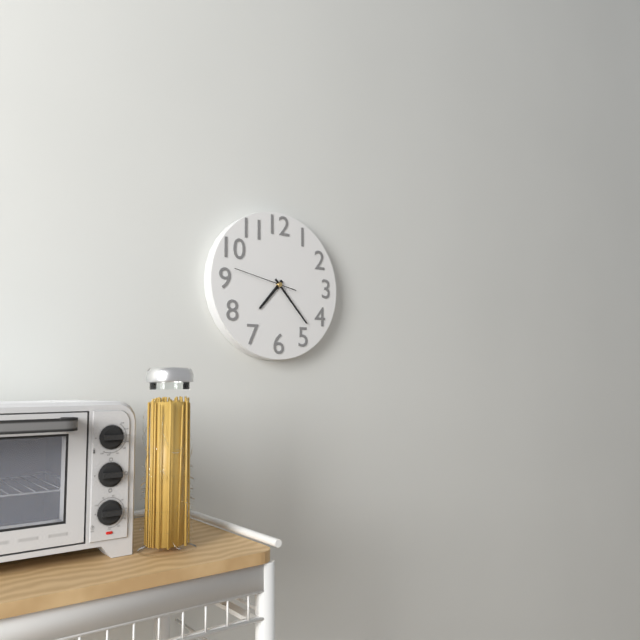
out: 7:23:47
